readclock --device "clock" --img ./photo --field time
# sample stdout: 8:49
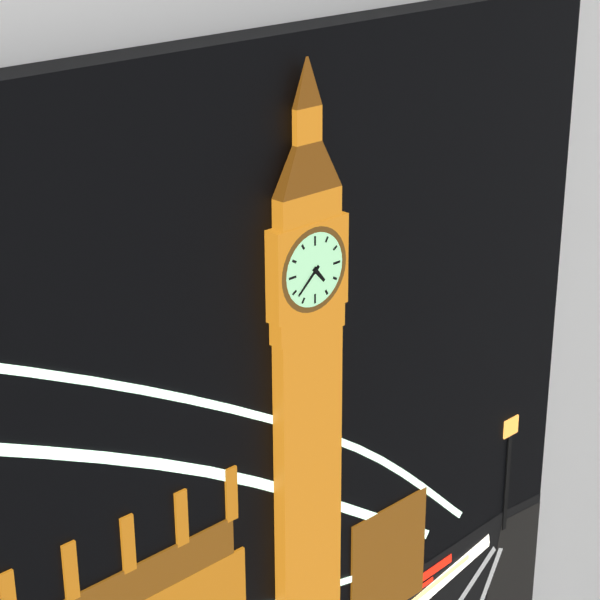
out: 4:38
